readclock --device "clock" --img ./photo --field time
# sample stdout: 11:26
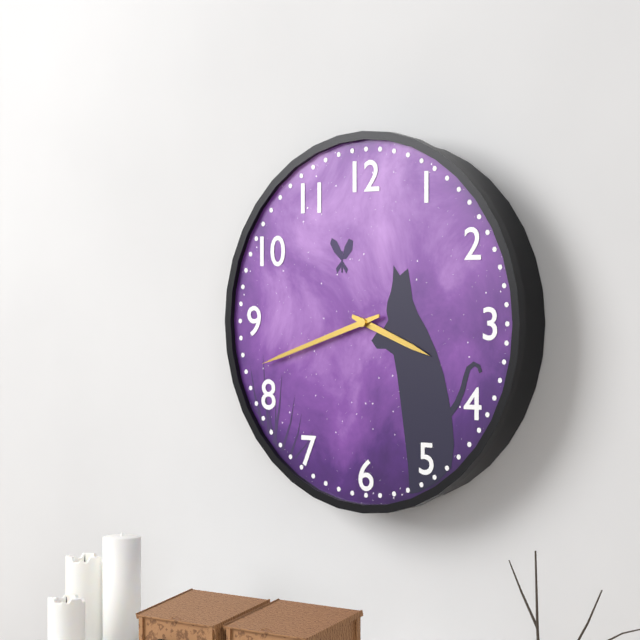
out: 3:42
